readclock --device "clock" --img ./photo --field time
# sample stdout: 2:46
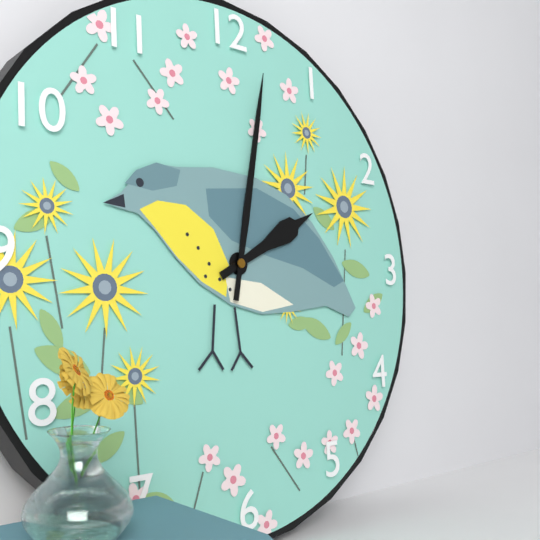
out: 2:02
